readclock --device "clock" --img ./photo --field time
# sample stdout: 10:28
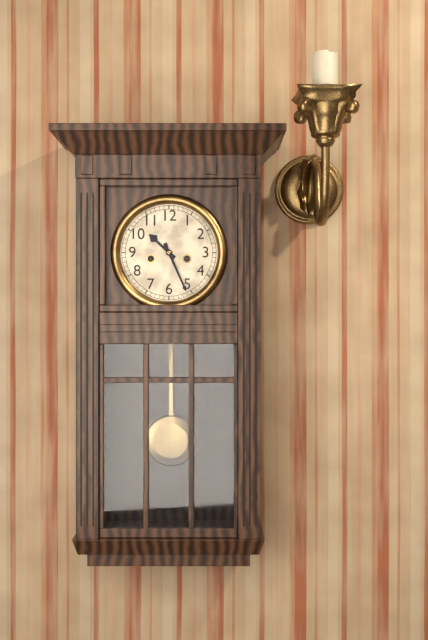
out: 10:26
